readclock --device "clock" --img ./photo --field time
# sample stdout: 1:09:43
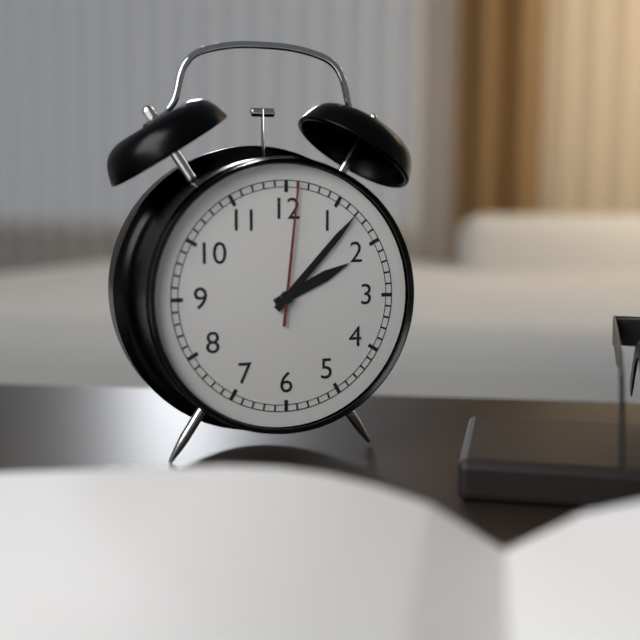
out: 2:07:01
